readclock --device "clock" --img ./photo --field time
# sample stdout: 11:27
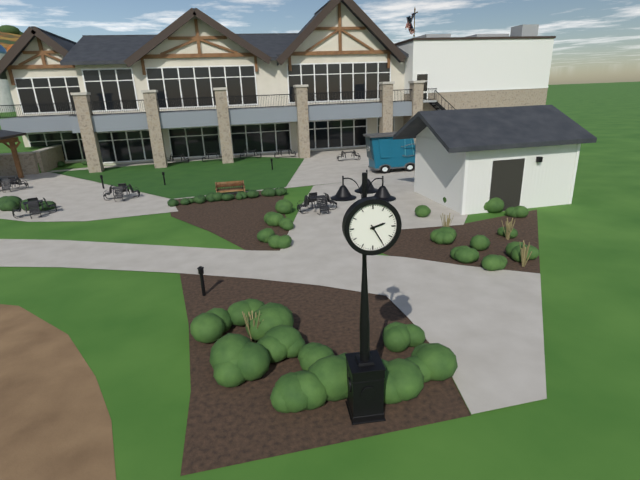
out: 2:25
